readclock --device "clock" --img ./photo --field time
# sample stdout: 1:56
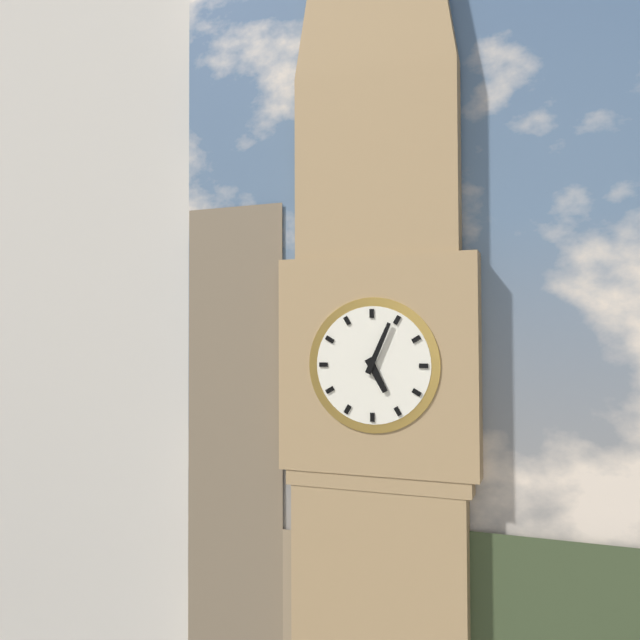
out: 5:04
